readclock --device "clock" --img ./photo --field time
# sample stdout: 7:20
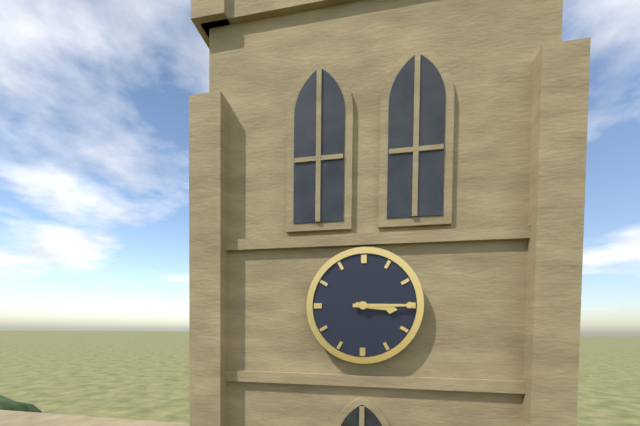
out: 3:15
